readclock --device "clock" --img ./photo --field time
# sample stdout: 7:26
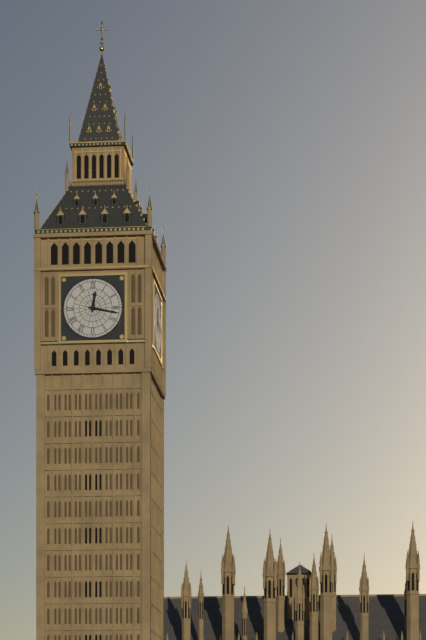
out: 12:17
